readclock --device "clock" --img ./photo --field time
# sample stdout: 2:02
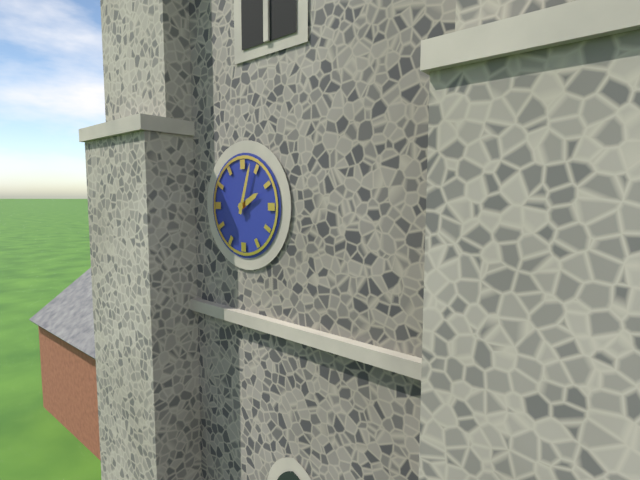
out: 2:03
